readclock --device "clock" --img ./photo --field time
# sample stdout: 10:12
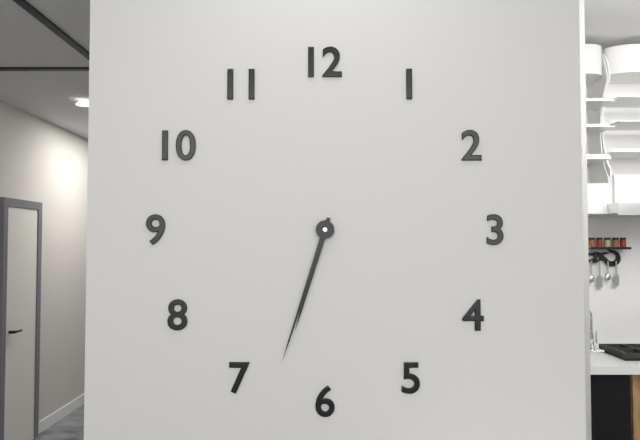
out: 6:33
